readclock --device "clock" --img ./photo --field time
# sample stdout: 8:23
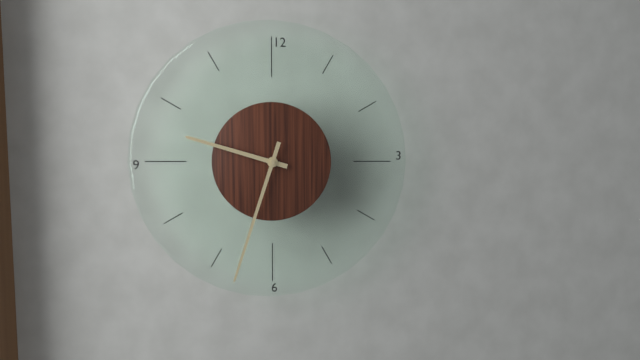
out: 9:33
